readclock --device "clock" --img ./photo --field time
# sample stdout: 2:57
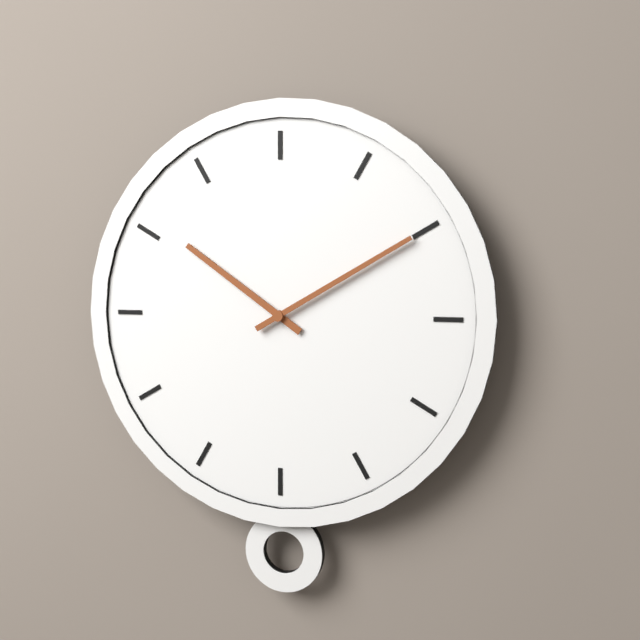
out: 10:10
